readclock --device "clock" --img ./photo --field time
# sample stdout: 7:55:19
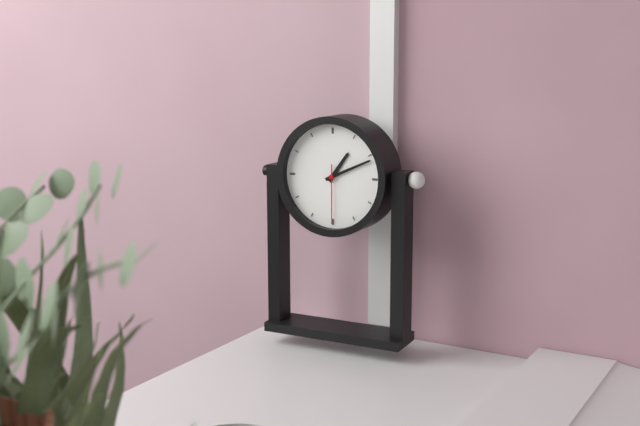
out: 1:11:30
